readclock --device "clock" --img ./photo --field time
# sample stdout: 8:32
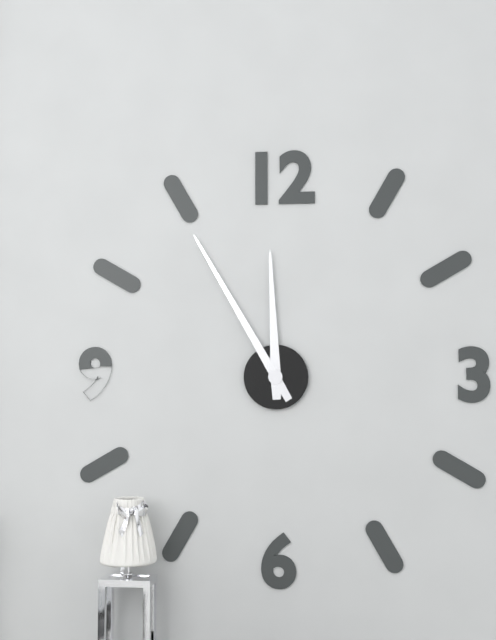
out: 11:55
